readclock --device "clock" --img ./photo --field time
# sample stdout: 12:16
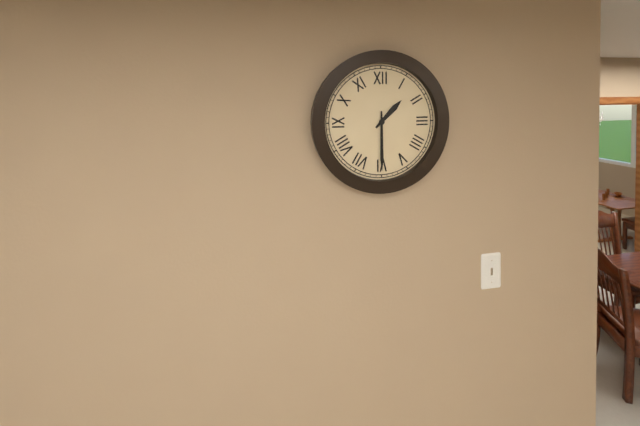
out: 1:30
